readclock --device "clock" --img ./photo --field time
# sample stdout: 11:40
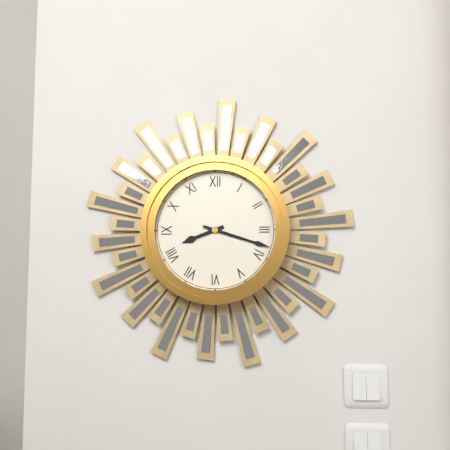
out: 8:18
